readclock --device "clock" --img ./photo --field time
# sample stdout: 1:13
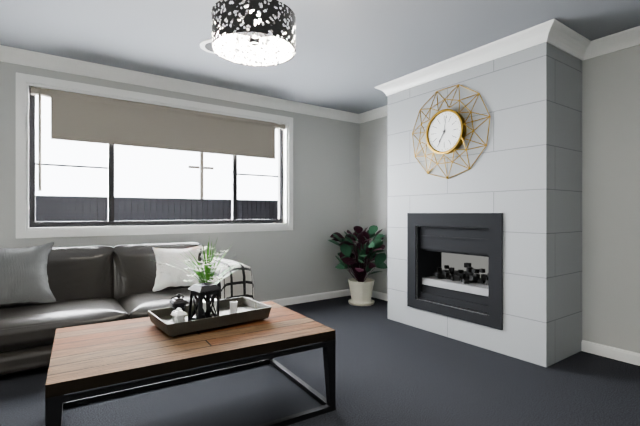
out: 7:02
